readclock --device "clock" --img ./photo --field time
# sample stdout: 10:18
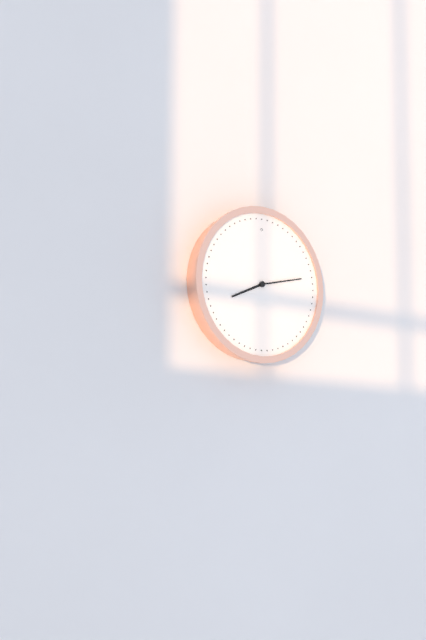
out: 8:13
